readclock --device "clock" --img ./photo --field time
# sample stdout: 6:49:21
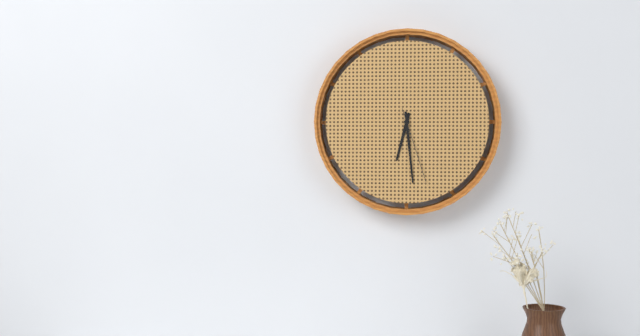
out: 6:29:27
